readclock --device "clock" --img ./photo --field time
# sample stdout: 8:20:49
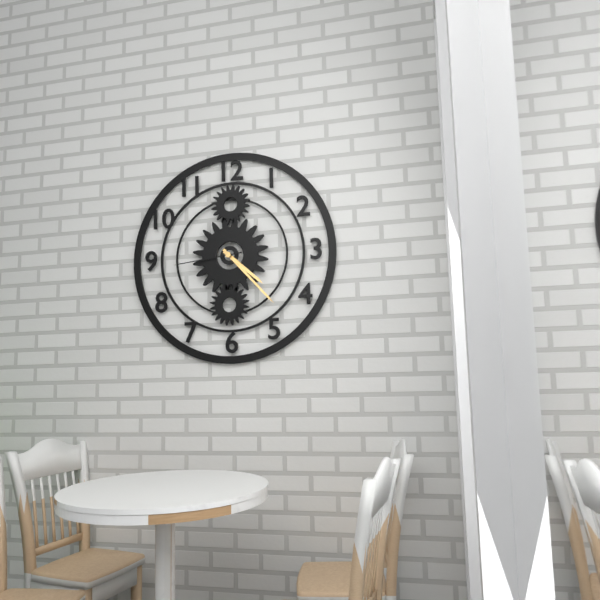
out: 4:23:44
